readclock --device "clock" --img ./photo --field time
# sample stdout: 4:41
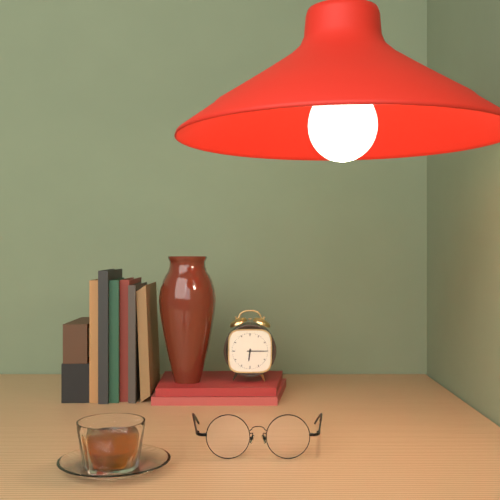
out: 6:15
